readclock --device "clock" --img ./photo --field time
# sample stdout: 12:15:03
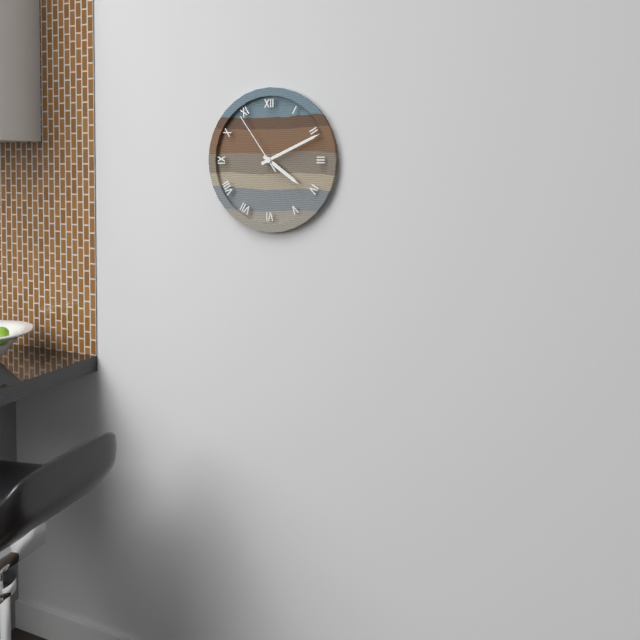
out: 4:11:54
